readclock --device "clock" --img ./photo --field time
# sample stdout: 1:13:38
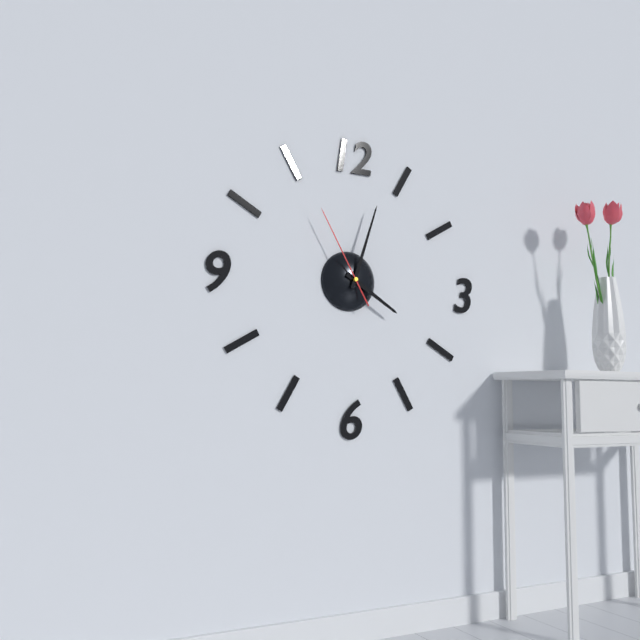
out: 4:03:55
